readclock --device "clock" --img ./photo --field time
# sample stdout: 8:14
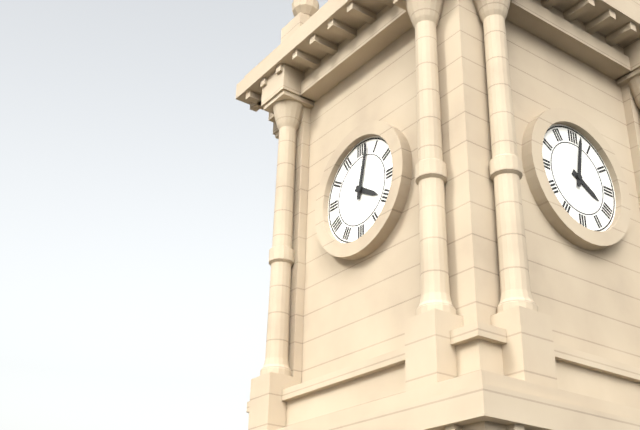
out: 4:02
